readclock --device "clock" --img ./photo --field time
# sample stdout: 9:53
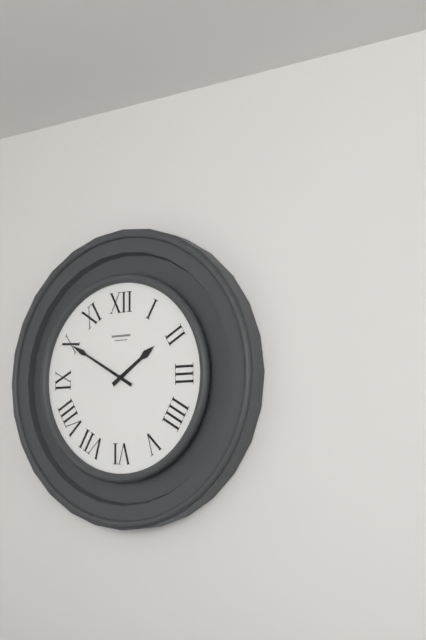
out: 1:50
